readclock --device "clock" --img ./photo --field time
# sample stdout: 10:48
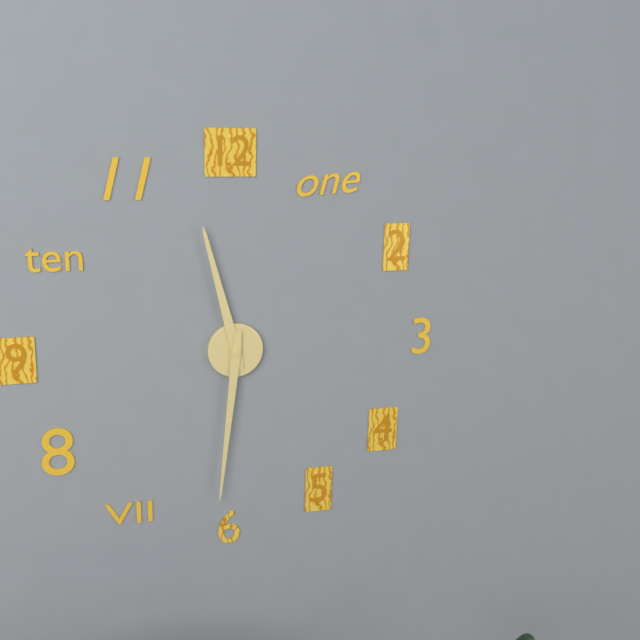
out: 11:31
